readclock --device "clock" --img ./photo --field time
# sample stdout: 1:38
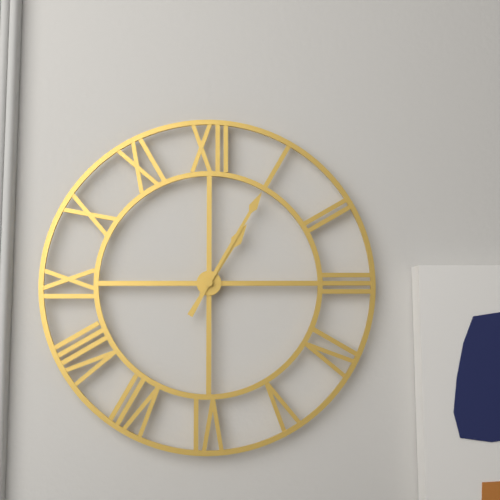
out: 1:05
